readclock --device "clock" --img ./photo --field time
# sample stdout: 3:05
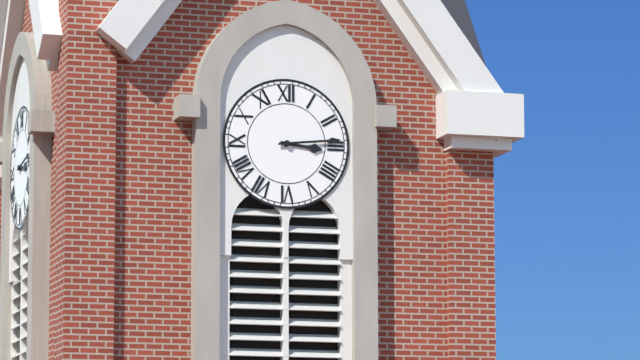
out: 3:14
